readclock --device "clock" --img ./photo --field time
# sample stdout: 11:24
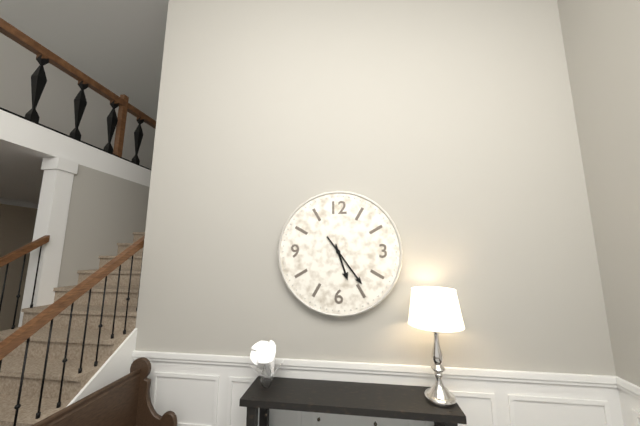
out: 5:24
